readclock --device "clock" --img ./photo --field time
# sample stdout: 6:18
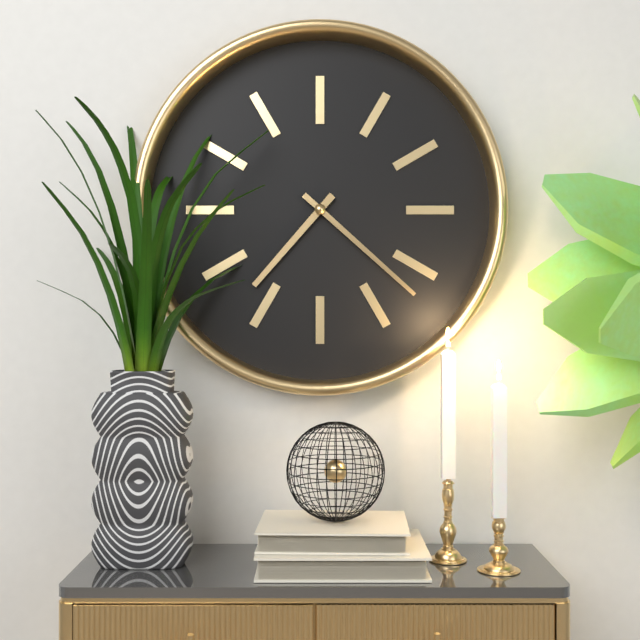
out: 7:22
